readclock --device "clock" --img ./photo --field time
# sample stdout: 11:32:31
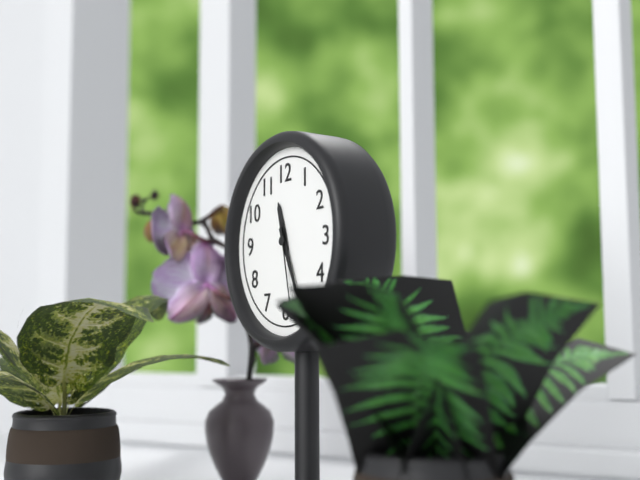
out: 11:26:28
